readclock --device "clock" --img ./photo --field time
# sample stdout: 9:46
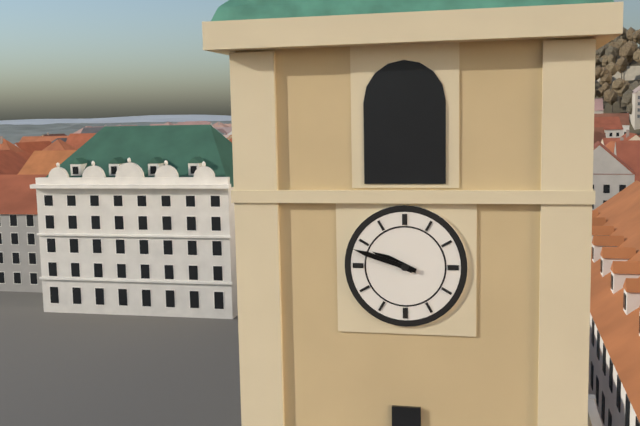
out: 9:48
